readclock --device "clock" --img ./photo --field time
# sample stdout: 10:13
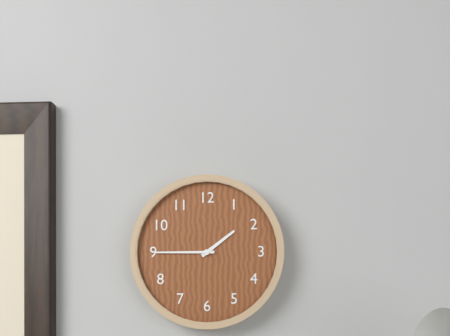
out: 1:45
